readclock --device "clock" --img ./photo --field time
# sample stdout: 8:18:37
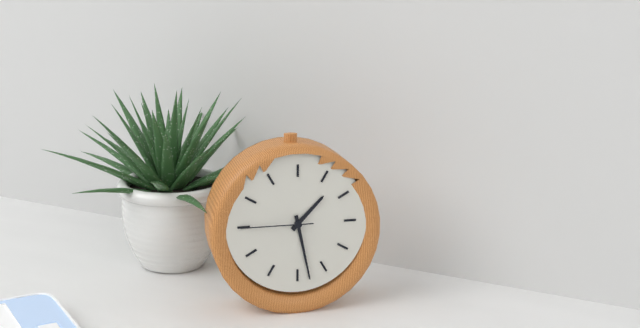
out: 1:28:45
